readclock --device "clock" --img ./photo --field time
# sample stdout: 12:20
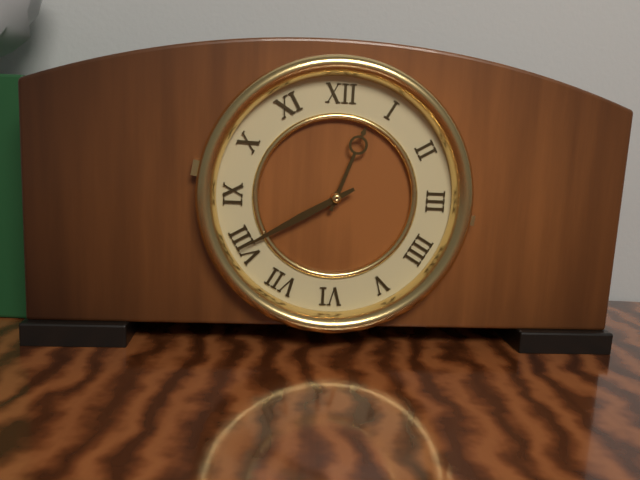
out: 12:40
